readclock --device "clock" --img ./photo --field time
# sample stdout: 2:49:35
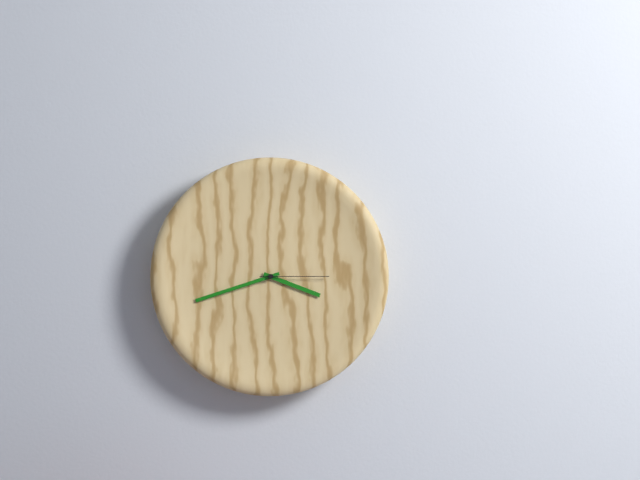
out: 3:42:15
